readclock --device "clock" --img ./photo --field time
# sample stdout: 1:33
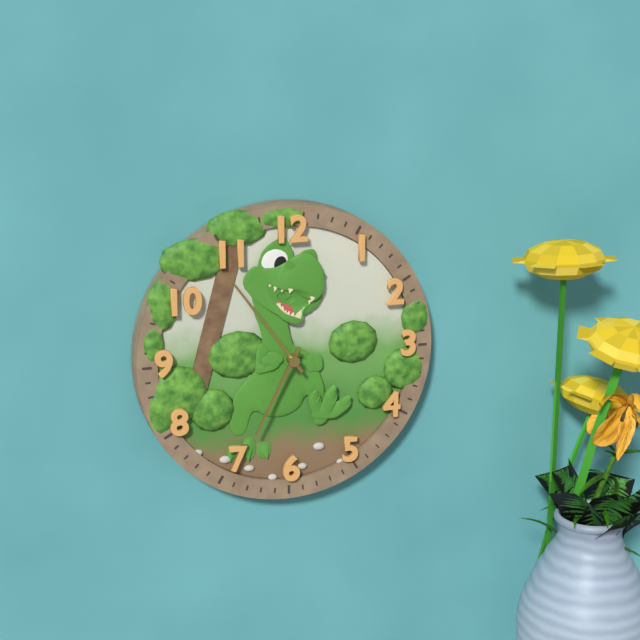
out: 6:54
